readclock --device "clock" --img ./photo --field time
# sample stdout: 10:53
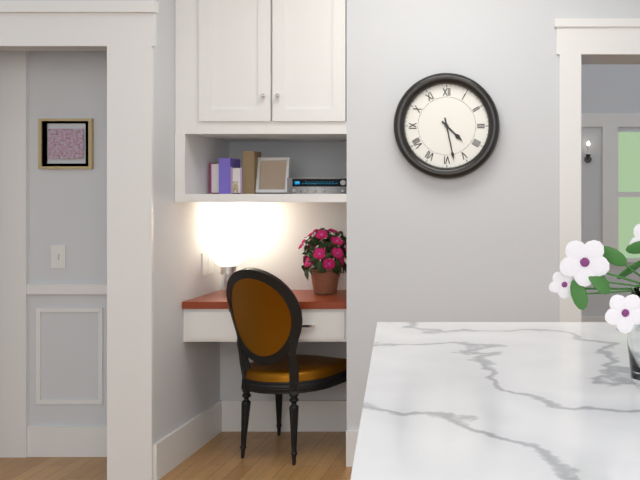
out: 4:28
